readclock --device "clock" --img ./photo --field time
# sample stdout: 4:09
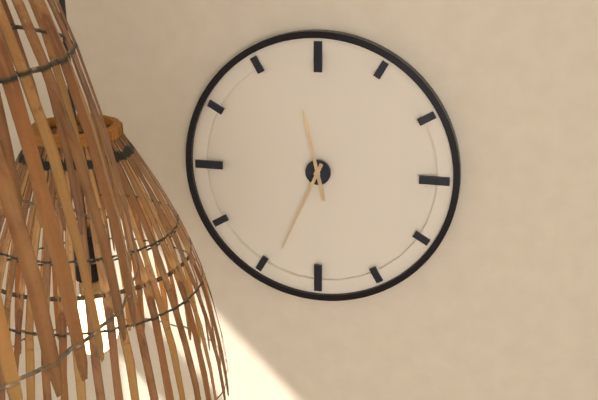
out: 11:34
